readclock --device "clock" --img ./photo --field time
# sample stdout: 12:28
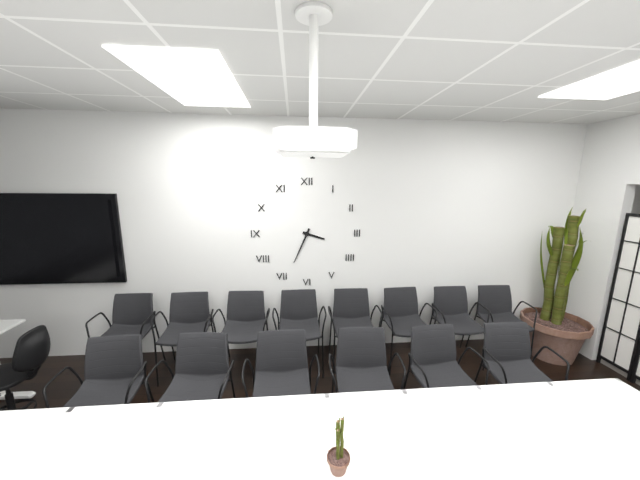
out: 3:34
